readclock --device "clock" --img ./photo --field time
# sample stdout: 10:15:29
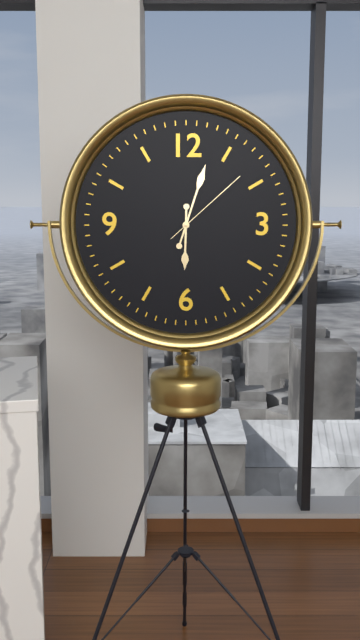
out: 6:03:08
